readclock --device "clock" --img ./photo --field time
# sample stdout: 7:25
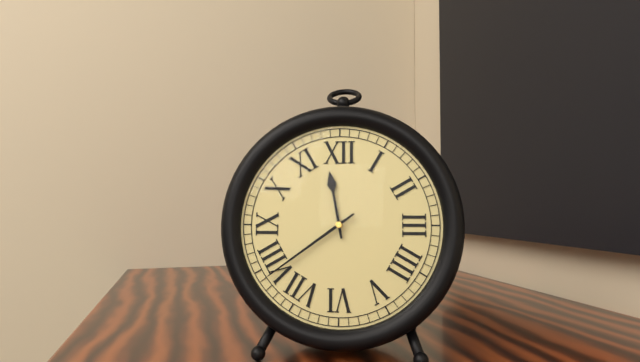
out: 11:39
